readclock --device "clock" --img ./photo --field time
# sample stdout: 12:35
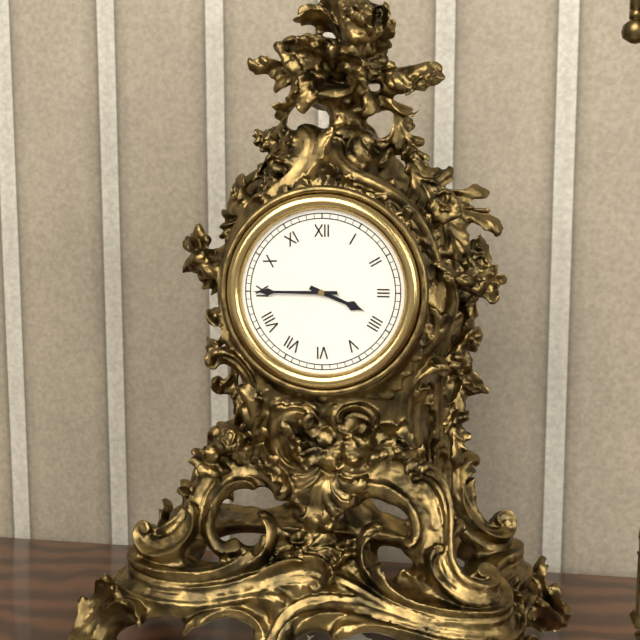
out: 3:45
